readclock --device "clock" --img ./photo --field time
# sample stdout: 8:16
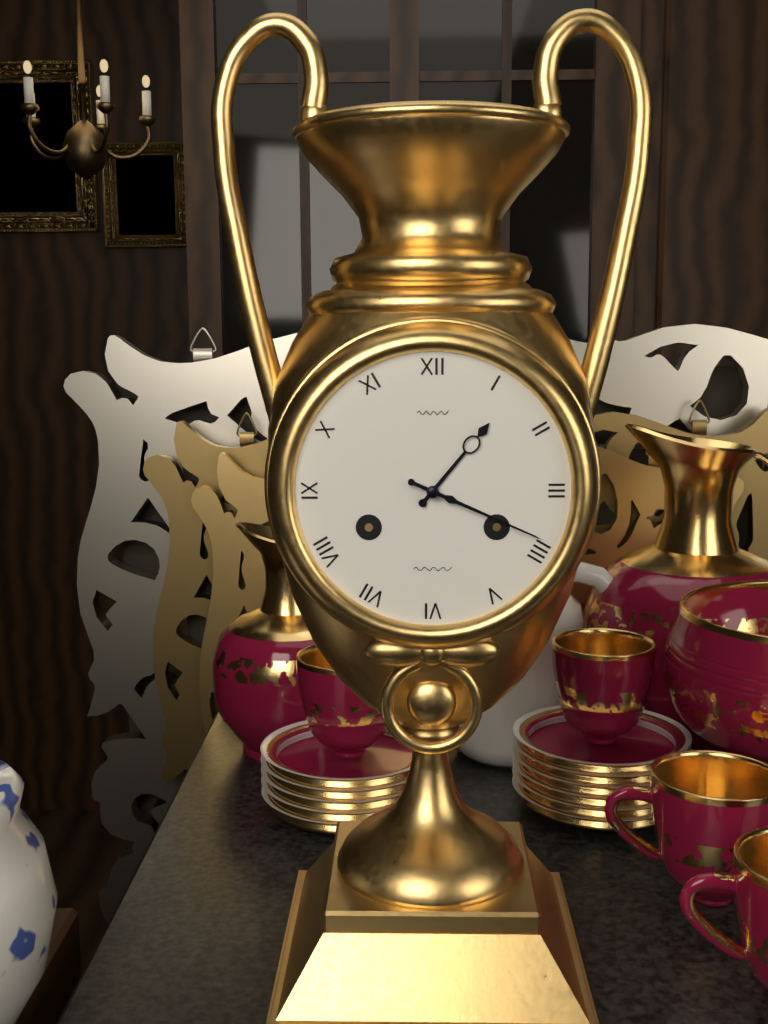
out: 1:19
